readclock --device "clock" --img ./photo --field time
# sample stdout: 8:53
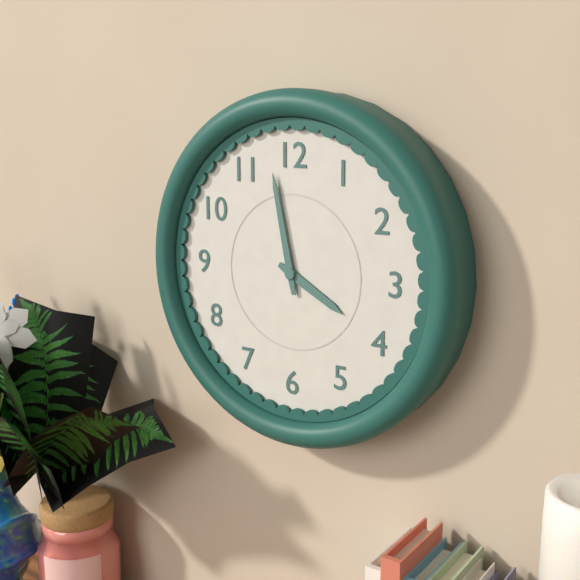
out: 3:58
